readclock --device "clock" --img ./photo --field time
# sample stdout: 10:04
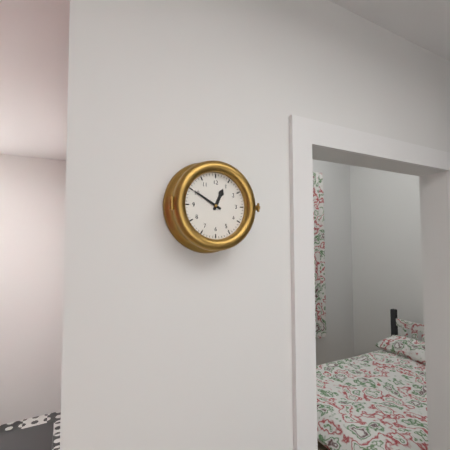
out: 12:50
